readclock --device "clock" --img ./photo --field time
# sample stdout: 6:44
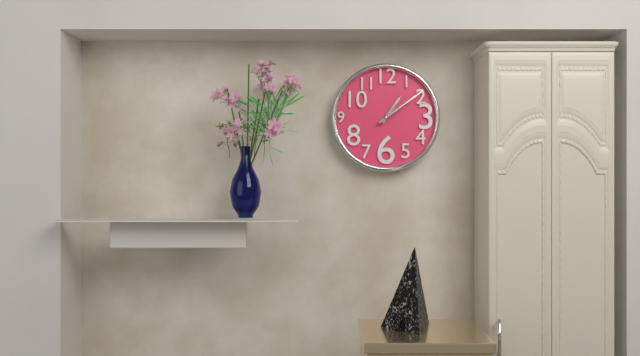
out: 1:09
